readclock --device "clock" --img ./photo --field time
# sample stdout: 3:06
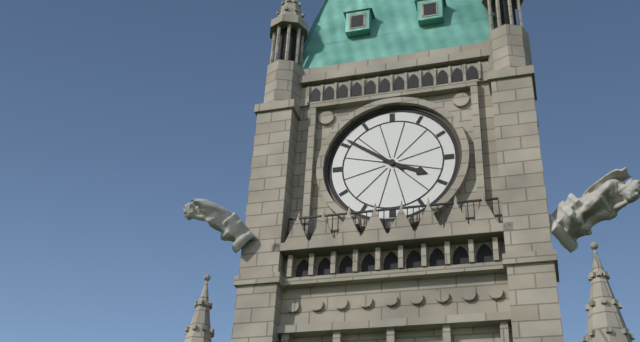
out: 3:51
